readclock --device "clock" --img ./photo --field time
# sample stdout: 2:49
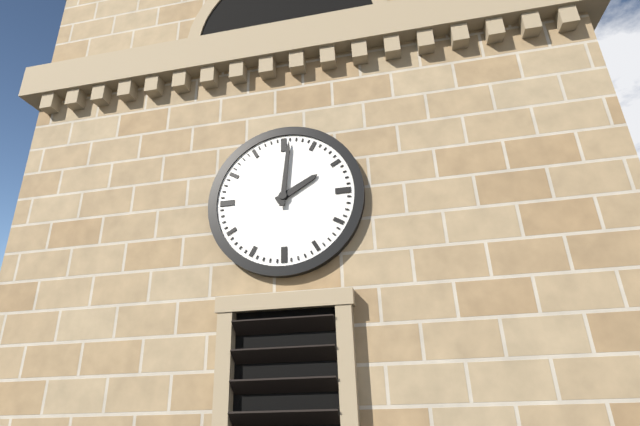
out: 2:01
